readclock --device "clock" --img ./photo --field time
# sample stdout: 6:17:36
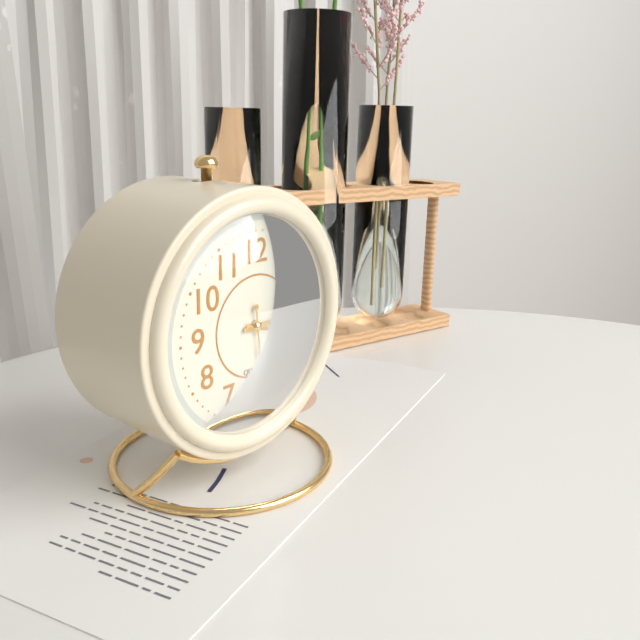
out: 3:15:29
